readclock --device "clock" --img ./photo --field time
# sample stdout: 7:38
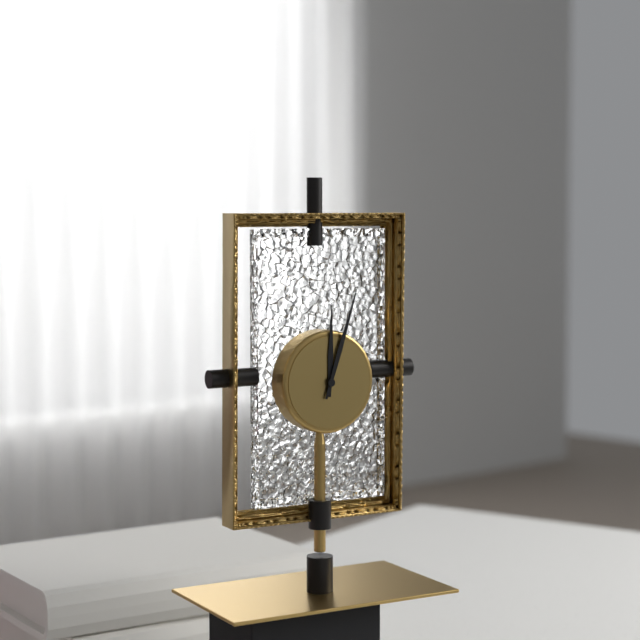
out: 12:03
